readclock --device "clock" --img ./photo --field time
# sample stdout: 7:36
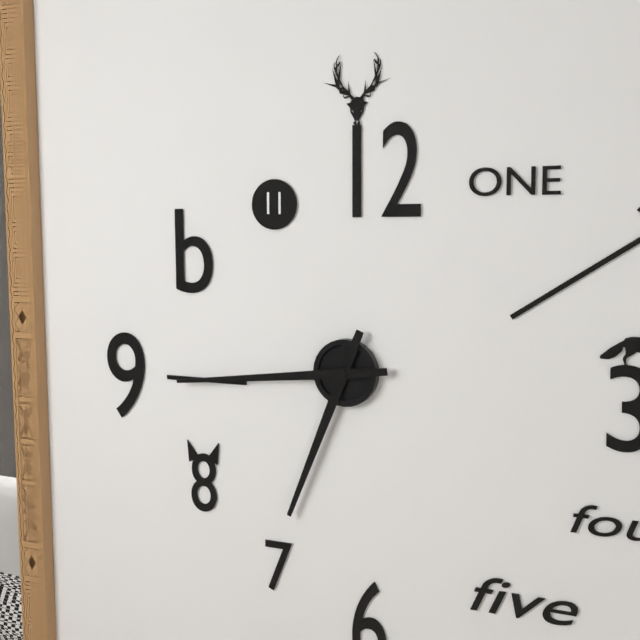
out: 6:44
